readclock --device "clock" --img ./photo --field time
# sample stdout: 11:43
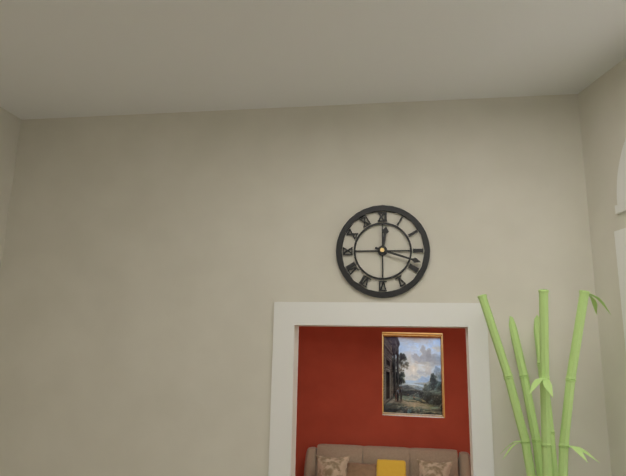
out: 12:18
